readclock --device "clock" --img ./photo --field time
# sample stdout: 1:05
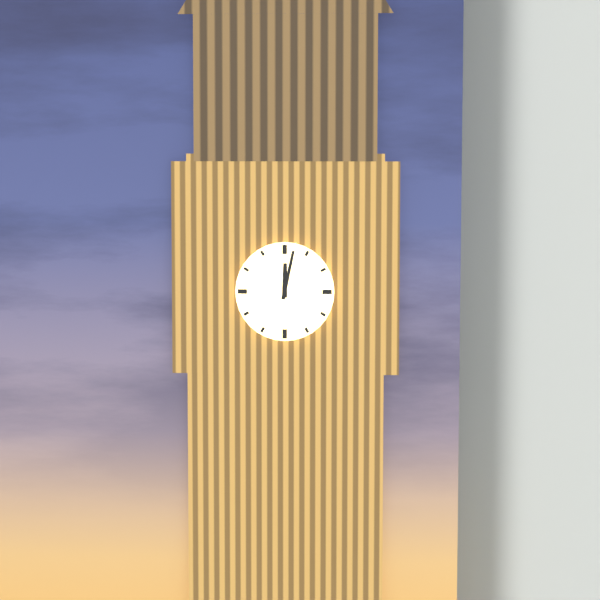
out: 12:02
